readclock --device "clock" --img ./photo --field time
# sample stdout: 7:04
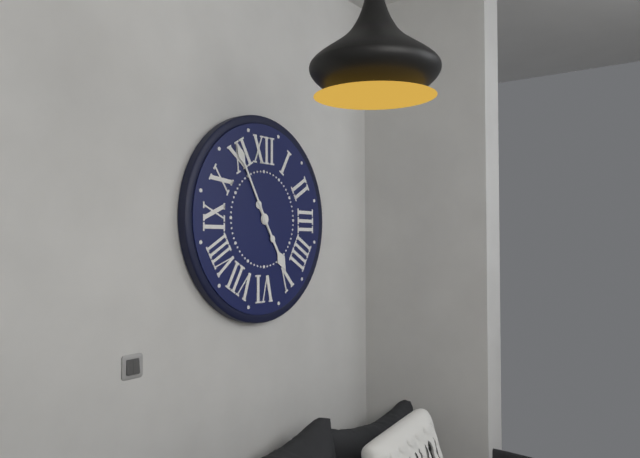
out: 4:55
